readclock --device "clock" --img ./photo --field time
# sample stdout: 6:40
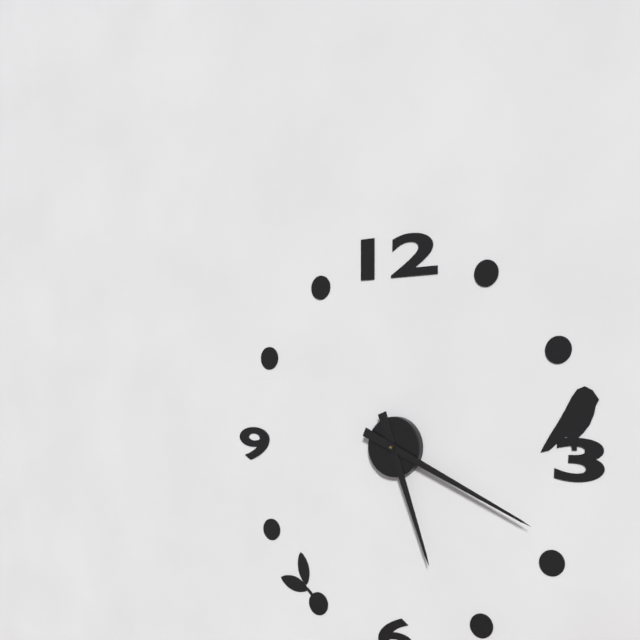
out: 5:19
